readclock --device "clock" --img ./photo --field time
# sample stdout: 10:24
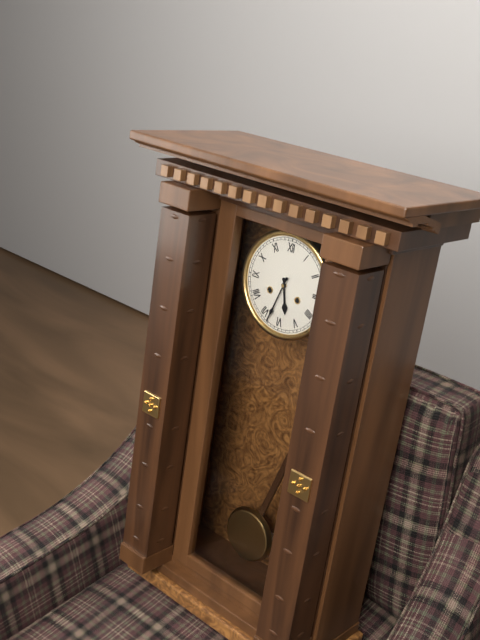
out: 5:33
